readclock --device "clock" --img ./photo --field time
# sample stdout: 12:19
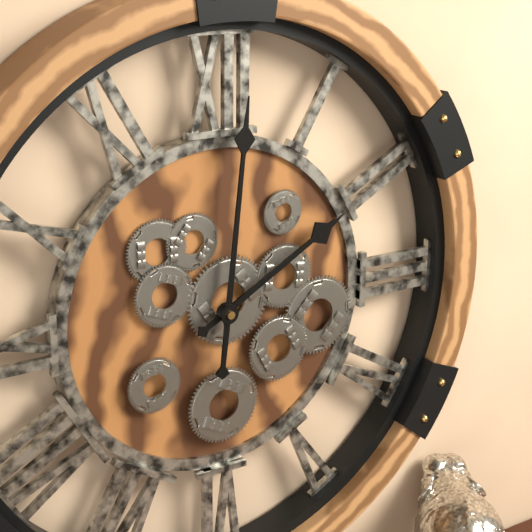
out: 2:01
